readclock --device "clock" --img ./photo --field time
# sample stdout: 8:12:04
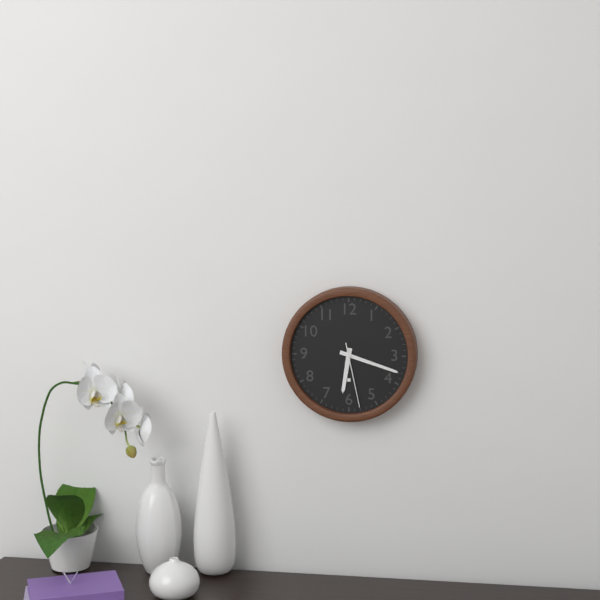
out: 6:18:28
